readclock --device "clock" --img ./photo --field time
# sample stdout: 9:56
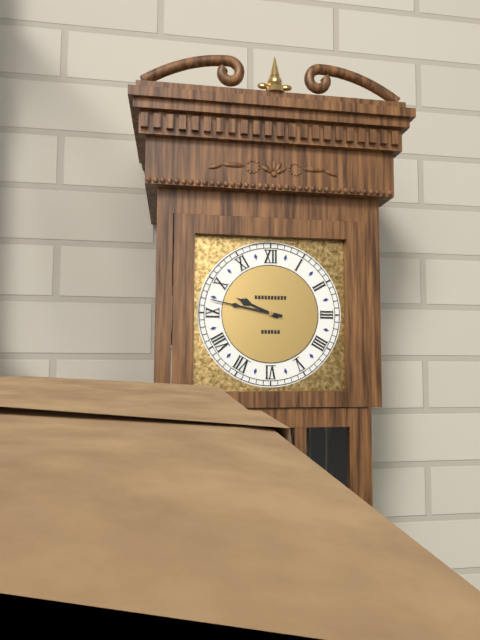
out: 9:47
